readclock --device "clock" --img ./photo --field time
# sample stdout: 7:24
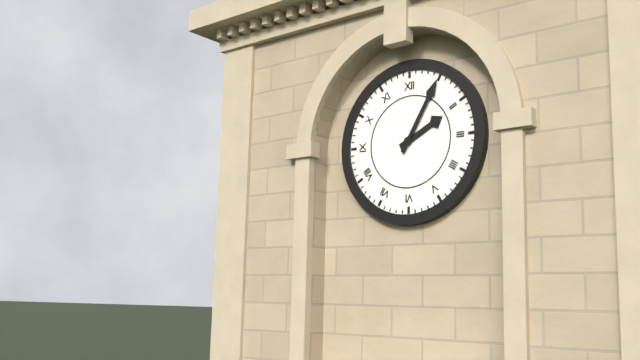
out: 2:05
